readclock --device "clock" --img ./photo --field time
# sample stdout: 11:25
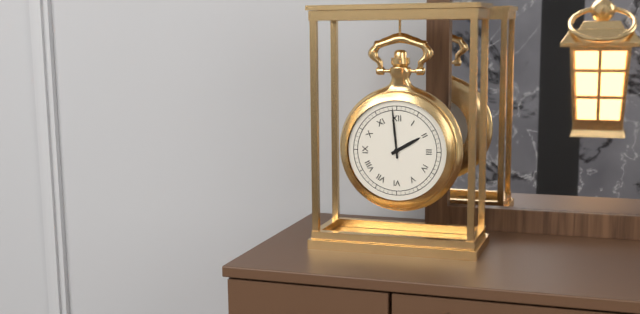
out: 1:59
